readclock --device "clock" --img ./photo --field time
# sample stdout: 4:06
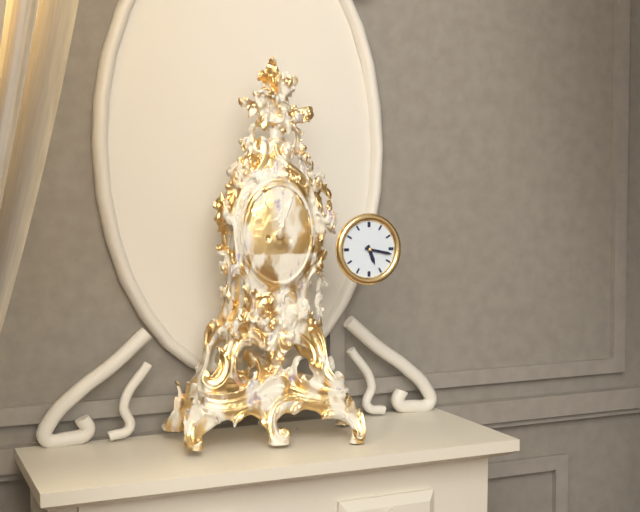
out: 5:17
